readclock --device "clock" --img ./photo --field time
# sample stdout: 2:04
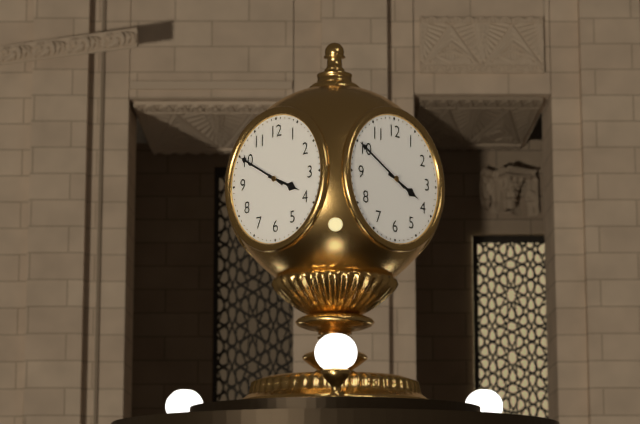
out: 3:50
